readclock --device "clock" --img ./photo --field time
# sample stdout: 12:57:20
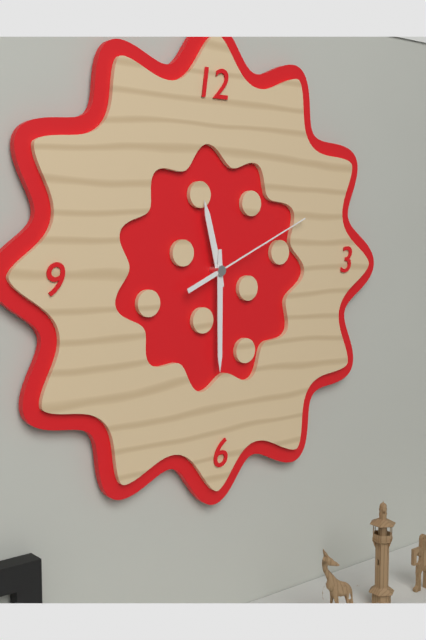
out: 11:30:11
